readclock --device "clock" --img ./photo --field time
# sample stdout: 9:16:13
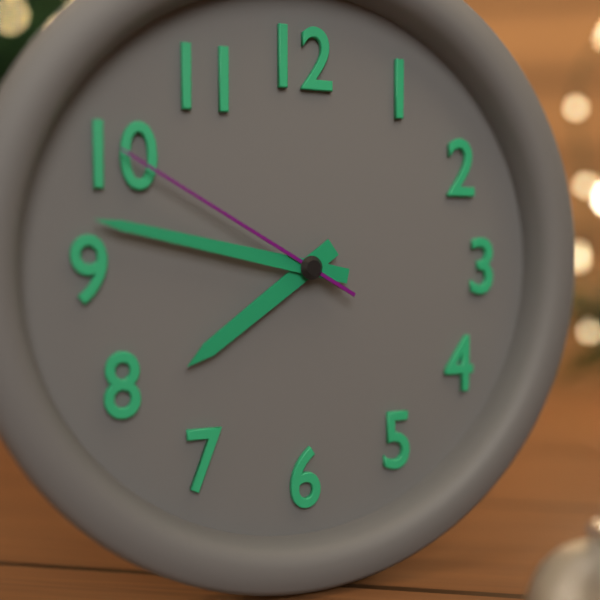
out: 7:47:50
